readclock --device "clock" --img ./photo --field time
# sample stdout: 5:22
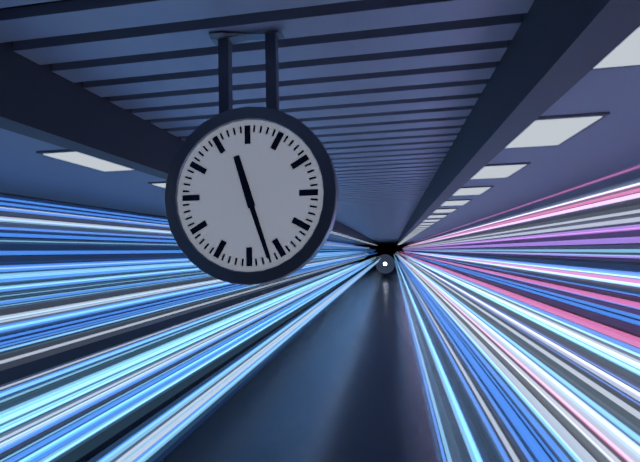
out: 11:27
